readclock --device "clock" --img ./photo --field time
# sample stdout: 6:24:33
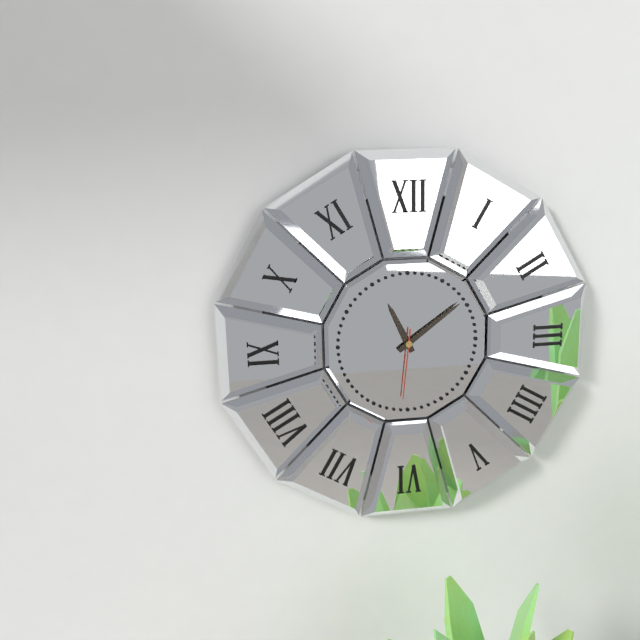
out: 11:09:31
